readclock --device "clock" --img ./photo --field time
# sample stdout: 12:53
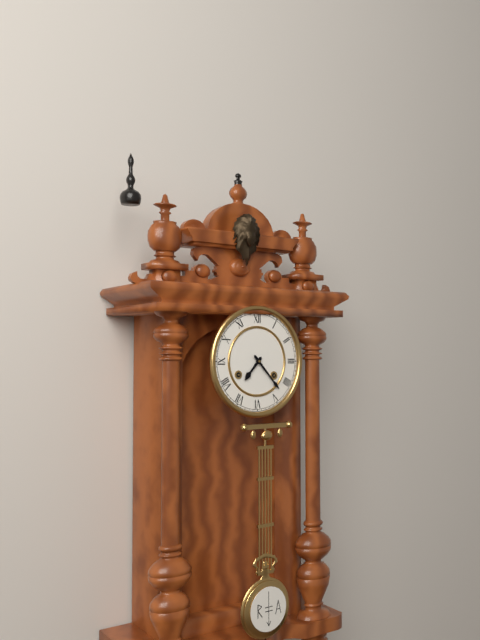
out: 7:23
